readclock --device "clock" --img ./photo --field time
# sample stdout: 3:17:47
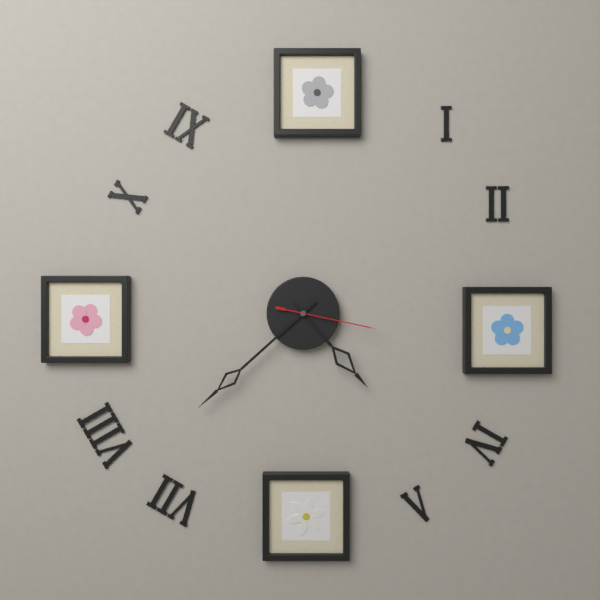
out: 4:38:17
